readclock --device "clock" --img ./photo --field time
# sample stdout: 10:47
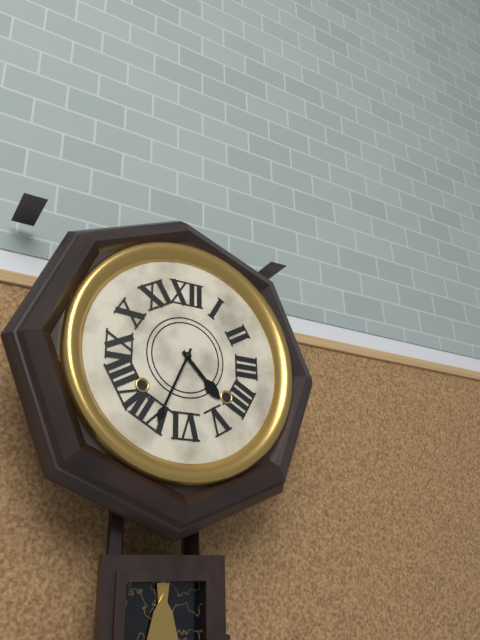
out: 4:34
